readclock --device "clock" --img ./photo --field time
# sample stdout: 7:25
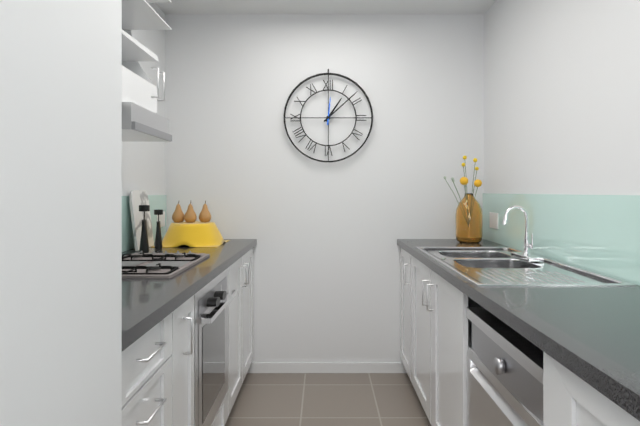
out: 1:08
